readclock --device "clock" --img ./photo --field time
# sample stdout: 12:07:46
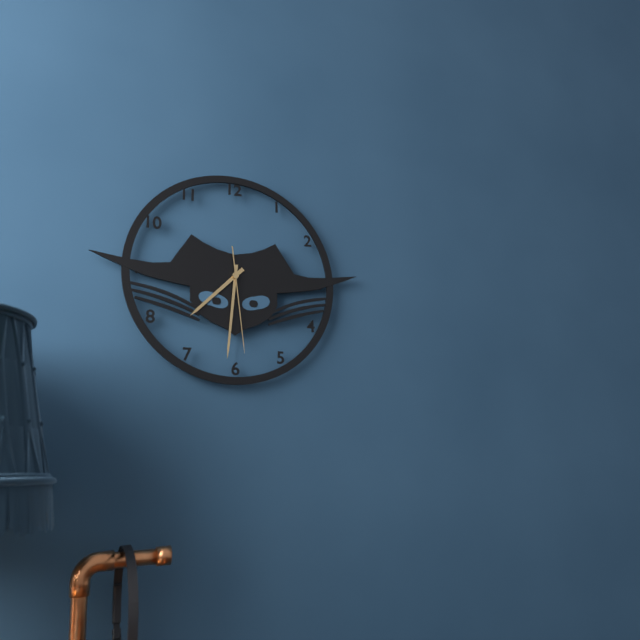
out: 7:31:29
